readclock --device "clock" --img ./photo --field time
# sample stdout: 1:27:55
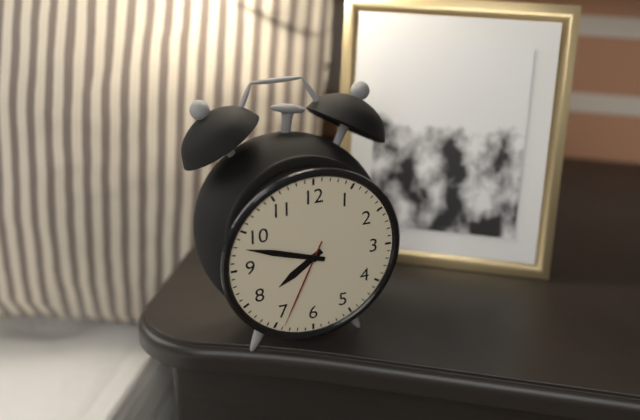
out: 7:48:34
